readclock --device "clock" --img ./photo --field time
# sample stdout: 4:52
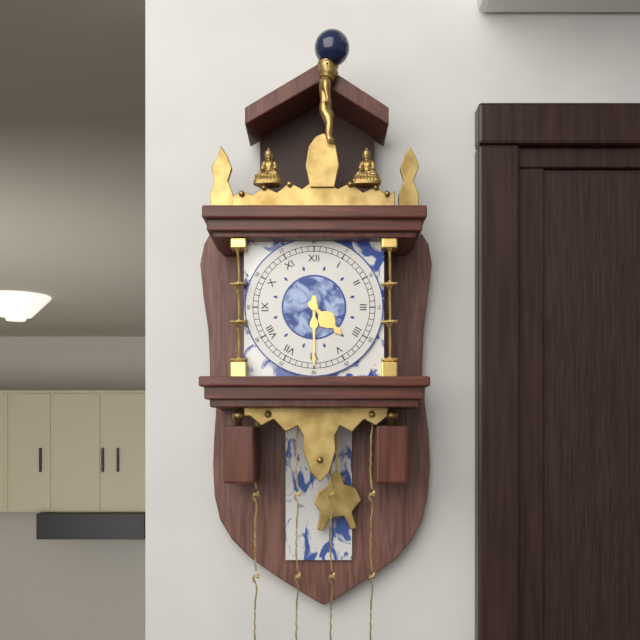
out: 4:30
